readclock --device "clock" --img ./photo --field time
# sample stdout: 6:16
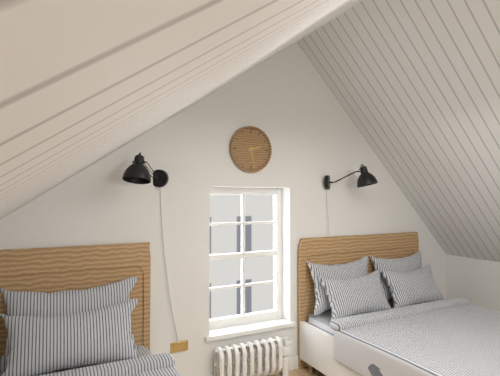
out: 2:28
